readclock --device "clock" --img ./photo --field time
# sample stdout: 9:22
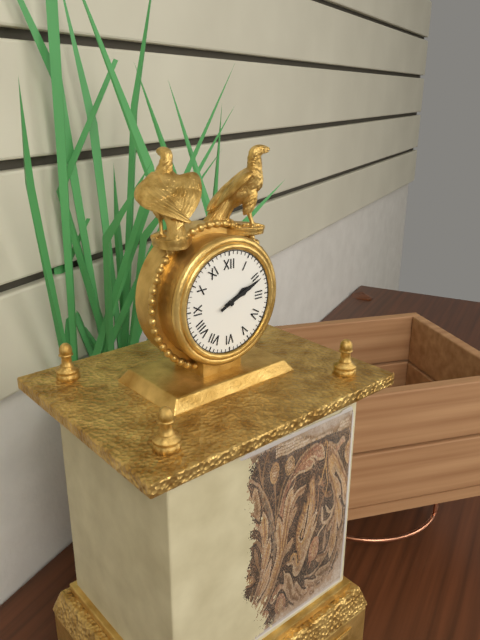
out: 2:11
